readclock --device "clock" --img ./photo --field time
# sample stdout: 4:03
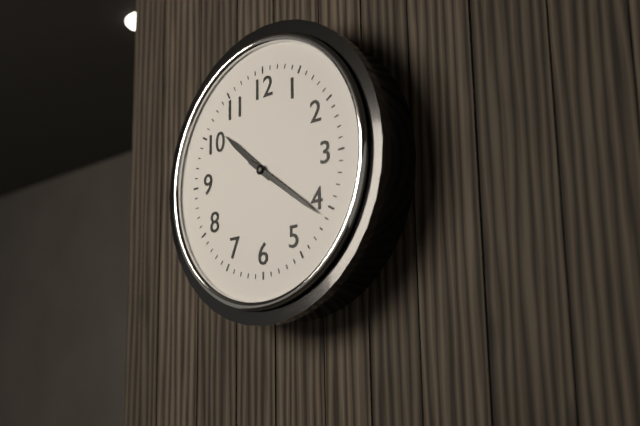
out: 10:21
